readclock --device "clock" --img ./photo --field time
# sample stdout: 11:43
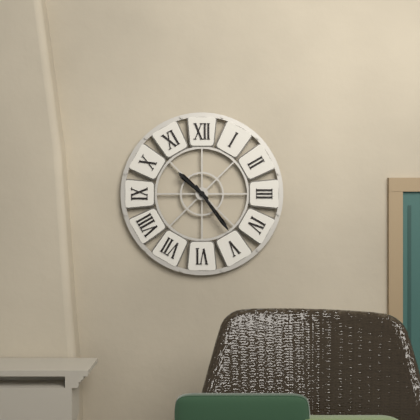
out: 10:24
